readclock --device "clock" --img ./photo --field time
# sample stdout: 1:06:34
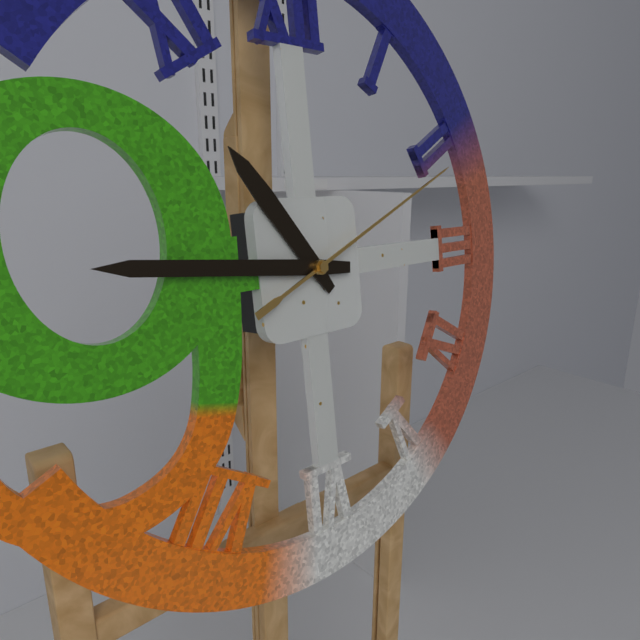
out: 10:46:11
